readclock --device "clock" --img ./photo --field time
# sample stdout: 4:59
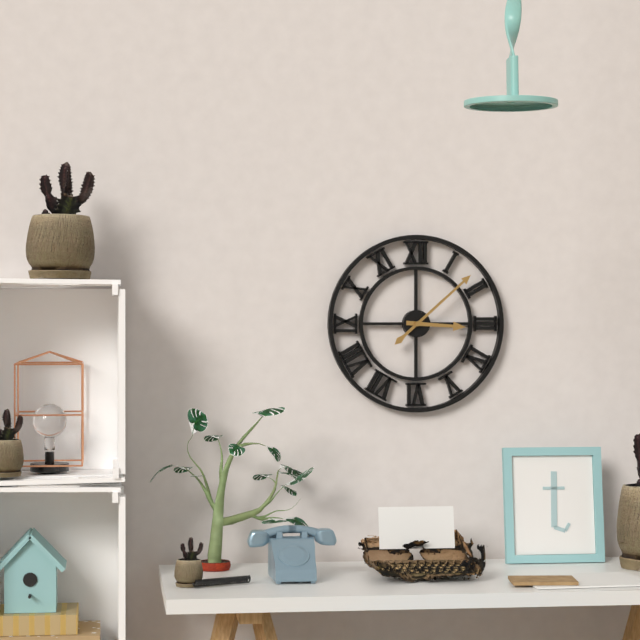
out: 3:08
